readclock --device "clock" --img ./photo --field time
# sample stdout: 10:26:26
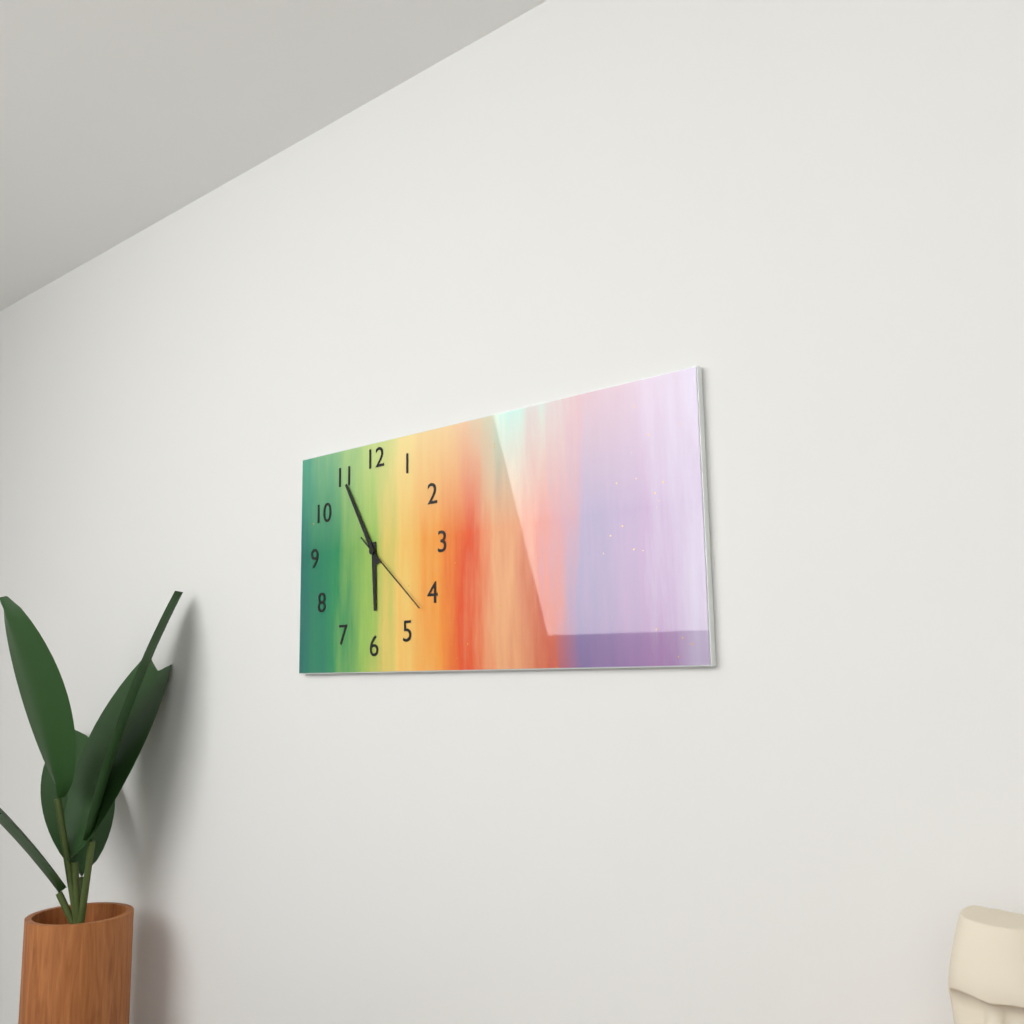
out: 5:55:22
